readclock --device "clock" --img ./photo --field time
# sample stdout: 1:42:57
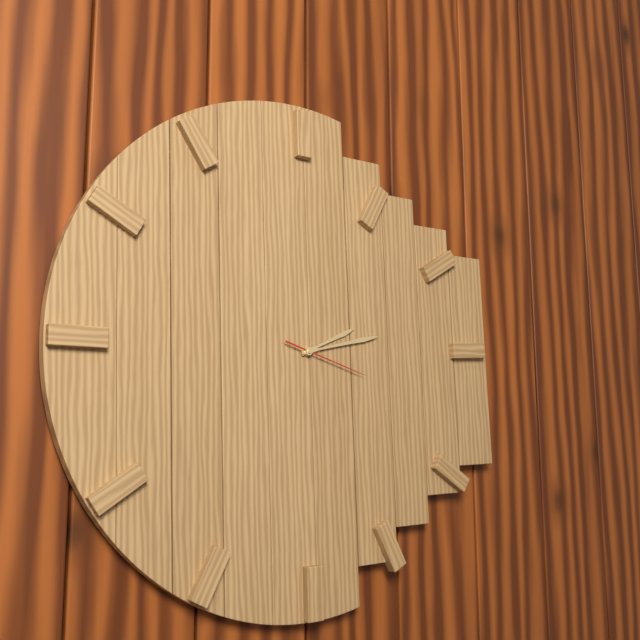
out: 2:13:18
